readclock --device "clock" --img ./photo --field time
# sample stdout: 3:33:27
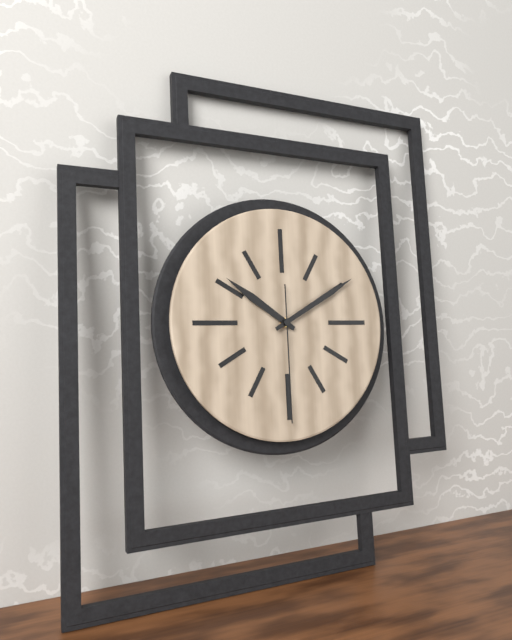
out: 10:10:30
